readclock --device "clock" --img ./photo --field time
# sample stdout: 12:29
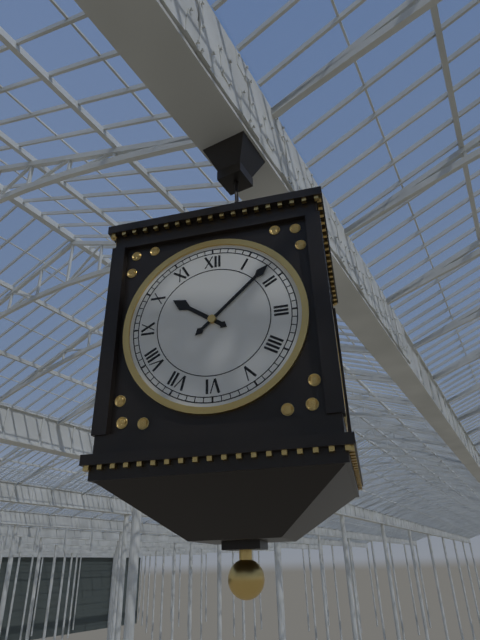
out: 10:08
